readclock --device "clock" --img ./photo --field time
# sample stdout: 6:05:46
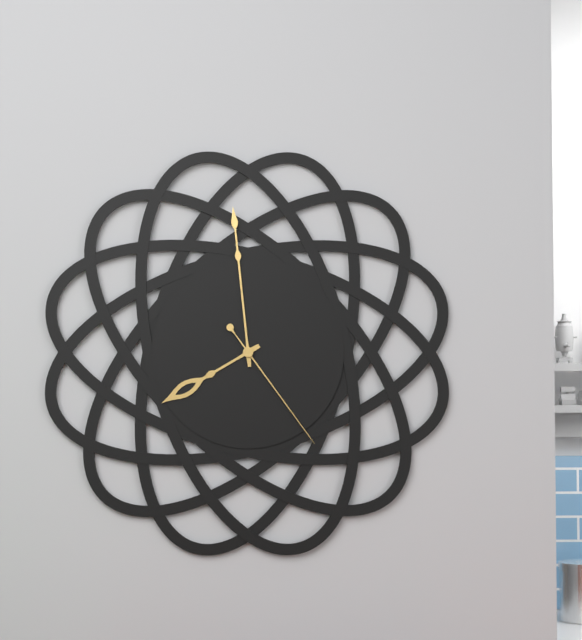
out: 7:59:24
